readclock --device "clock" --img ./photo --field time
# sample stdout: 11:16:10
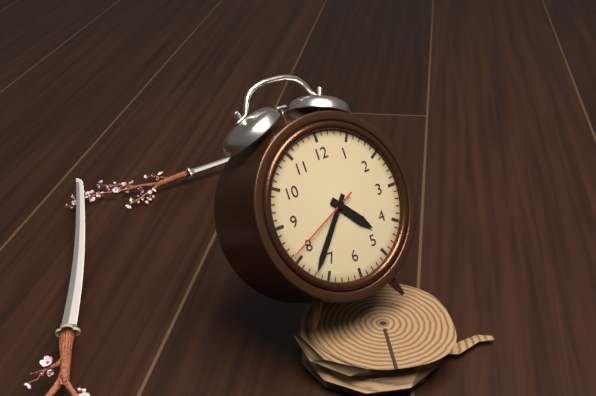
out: 4:37:41
